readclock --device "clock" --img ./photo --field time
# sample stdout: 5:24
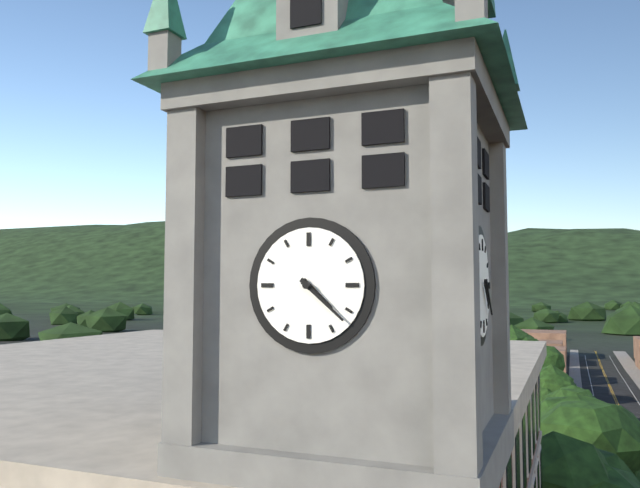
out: 4:22
